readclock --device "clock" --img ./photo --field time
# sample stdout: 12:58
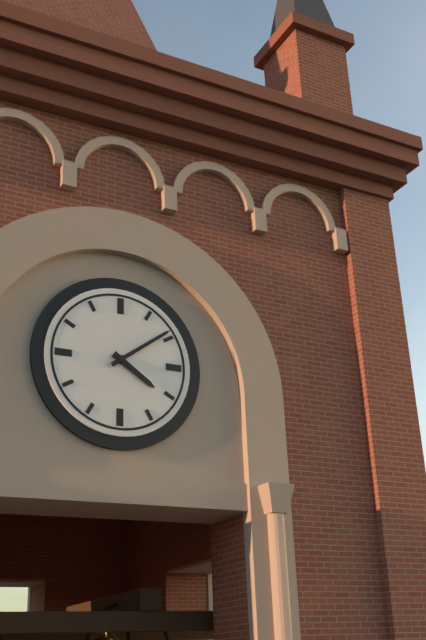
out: 4:09
